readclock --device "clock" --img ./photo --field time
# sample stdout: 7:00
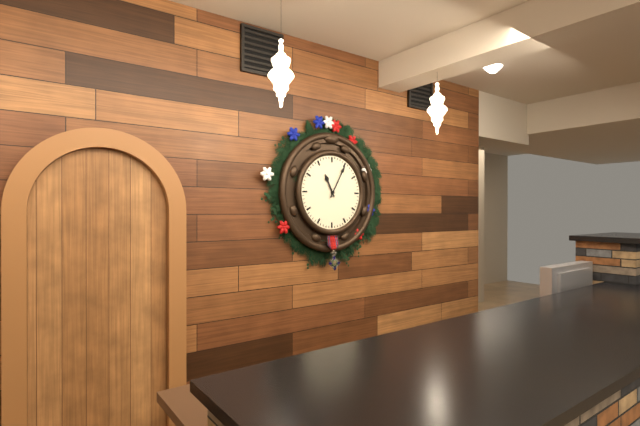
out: 11:05
